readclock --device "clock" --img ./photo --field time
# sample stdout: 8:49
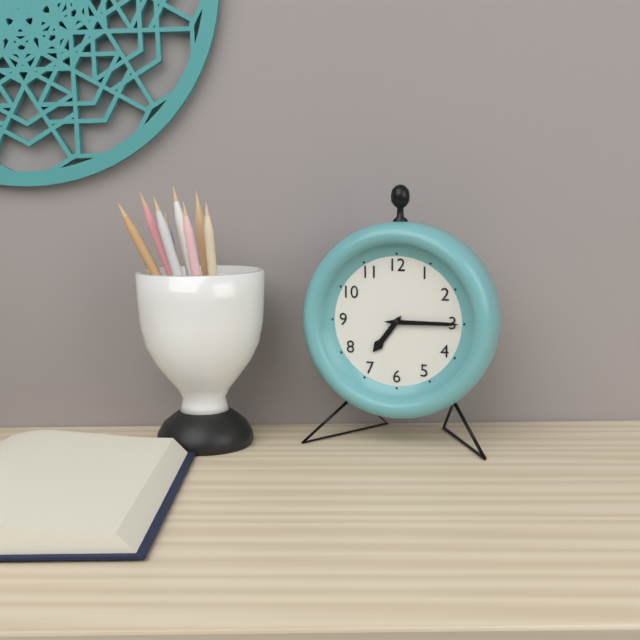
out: 7:15
